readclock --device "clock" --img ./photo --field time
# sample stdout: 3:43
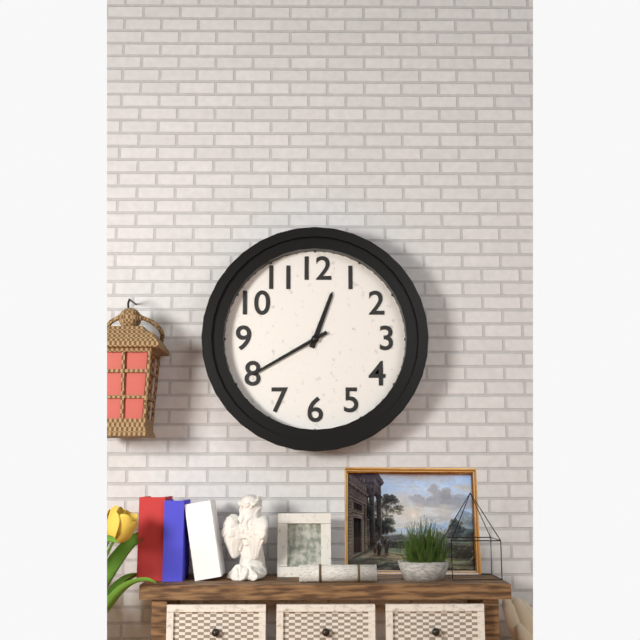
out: 12:40
